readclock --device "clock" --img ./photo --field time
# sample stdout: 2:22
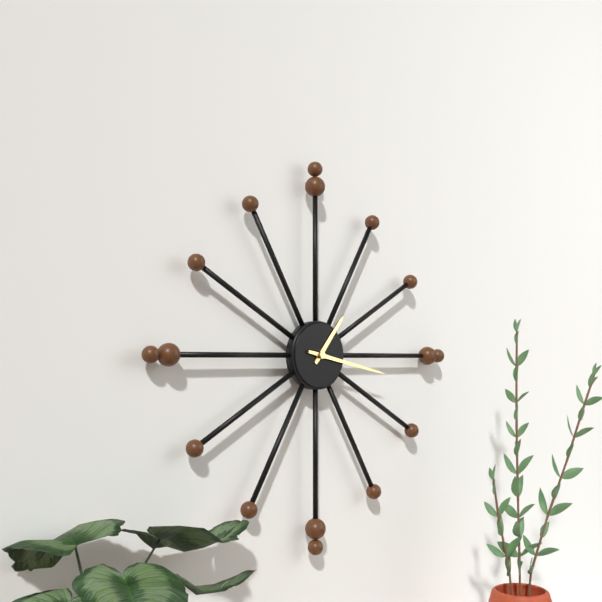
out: 1:17
